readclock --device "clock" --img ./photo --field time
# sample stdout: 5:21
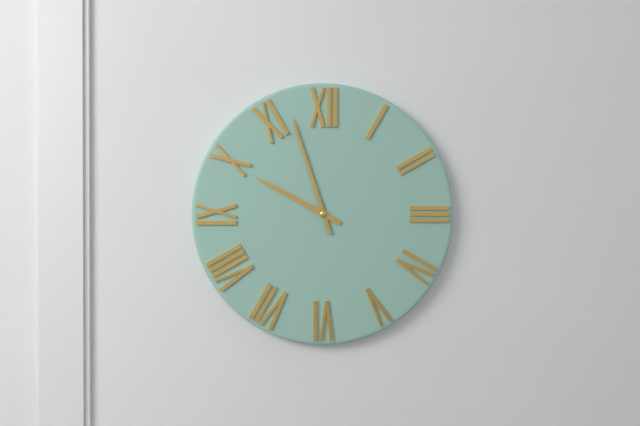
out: 9:57
